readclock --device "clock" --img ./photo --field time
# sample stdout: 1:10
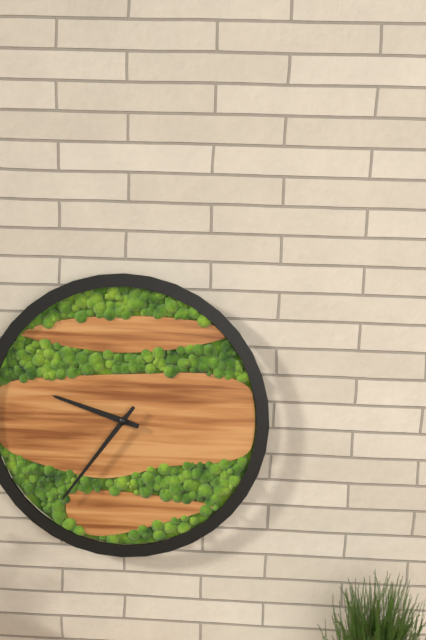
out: 9:36
